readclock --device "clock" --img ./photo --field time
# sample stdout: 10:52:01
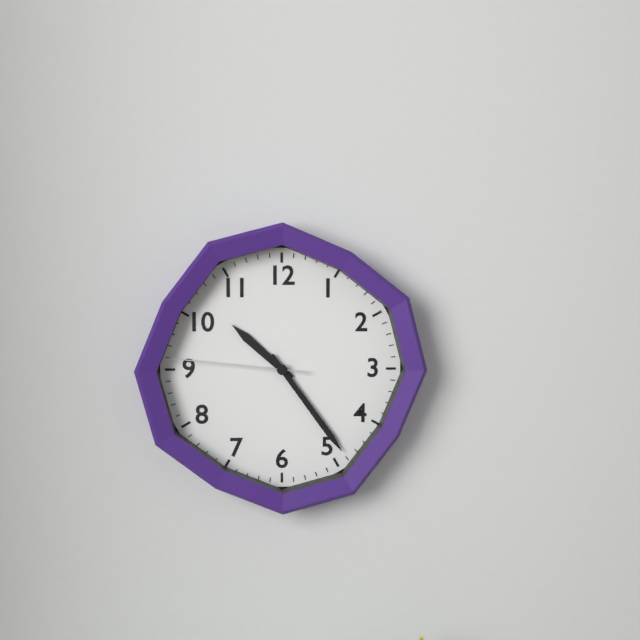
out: 10:24:46
